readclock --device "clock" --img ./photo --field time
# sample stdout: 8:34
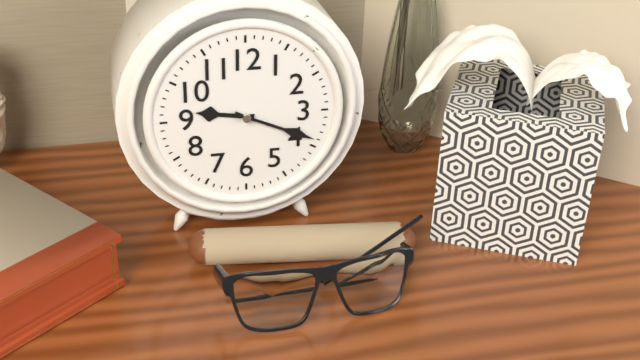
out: 9:19
